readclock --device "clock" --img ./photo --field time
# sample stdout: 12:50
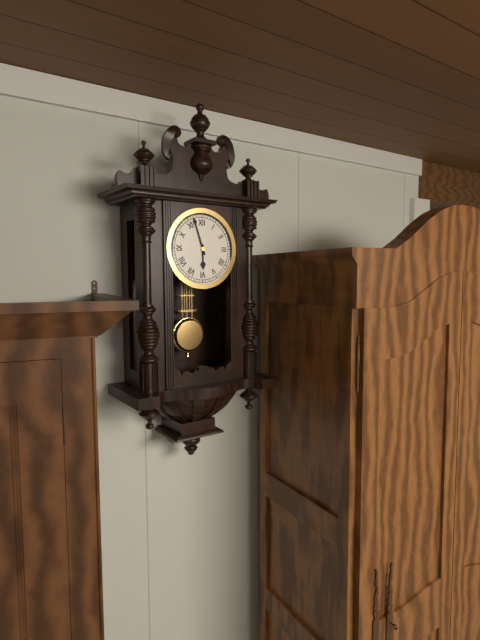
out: 5:57
